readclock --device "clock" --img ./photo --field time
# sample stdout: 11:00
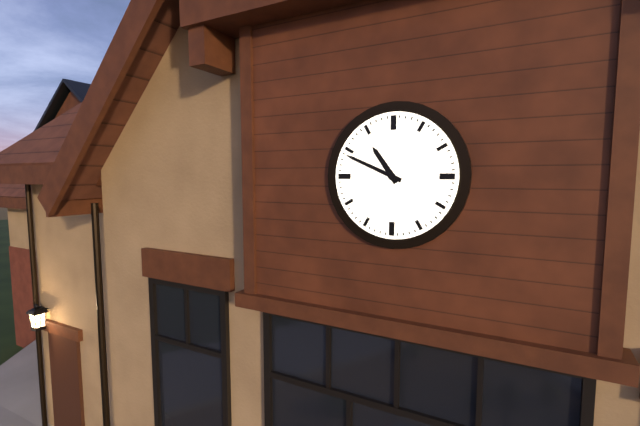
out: 10:49
